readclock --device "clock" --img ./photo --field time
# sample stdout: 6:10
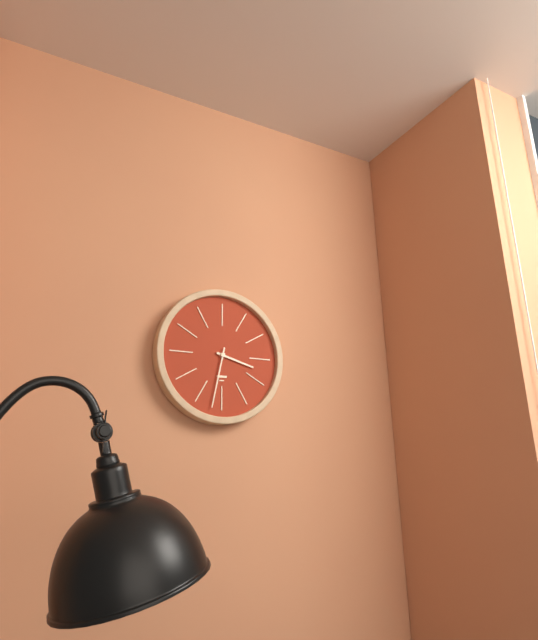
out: 3:32
